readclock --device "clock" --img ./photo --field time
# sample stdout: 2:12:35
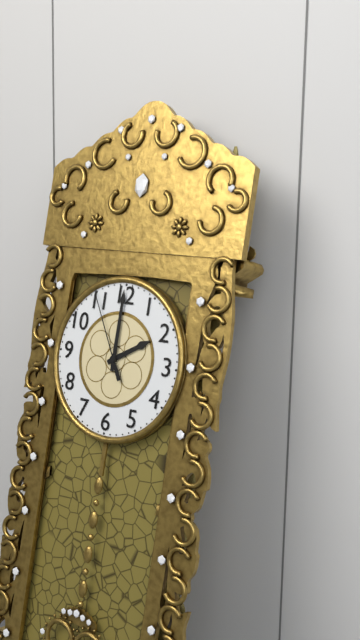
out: 2:00:55
